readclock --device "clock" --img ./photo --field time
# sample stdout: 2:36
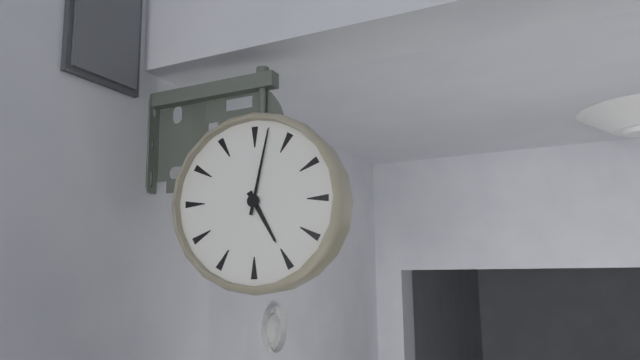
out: 5:02
